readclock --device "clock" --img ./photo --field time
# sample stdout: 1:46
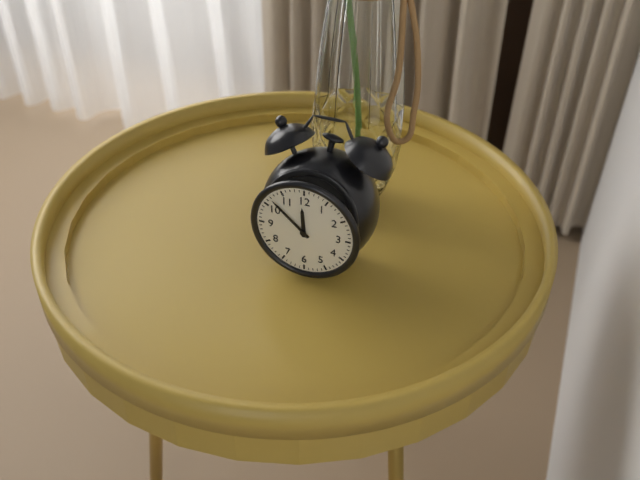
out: 11:52
